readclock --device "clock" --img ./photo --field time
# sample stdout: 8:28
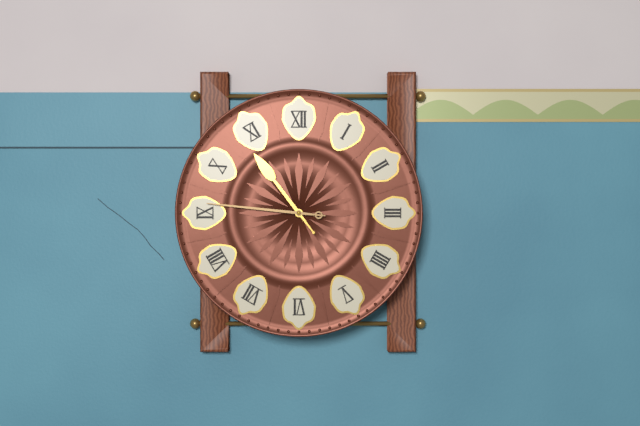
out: 10:46
